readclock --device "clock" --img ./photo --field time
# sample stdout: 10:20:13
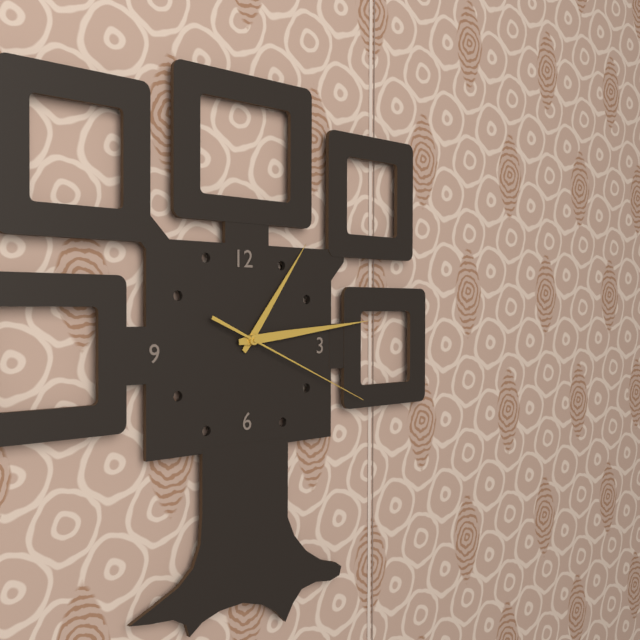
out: 1:14:19
